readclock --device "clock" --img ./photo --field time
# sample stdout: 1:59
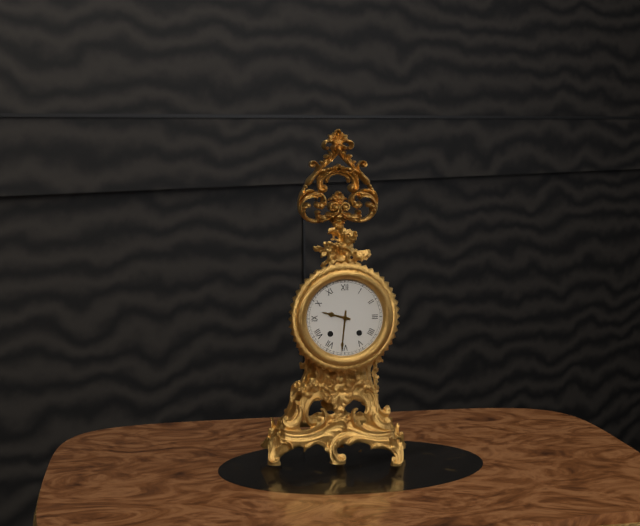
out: 9:31
